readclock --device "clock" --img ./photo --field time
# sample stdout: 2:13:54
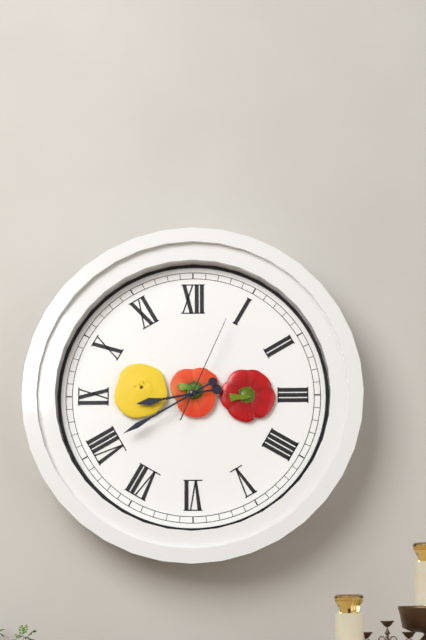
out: 8:40:04
